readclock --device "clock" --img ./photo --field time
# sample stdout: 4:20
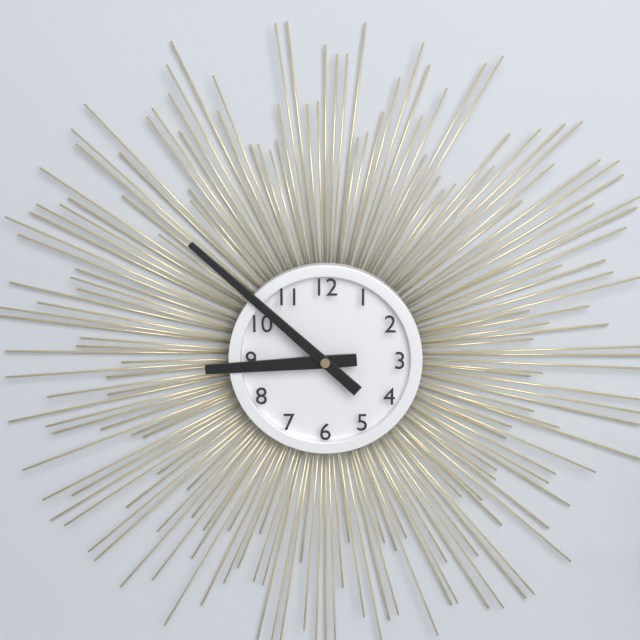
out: 8:52
